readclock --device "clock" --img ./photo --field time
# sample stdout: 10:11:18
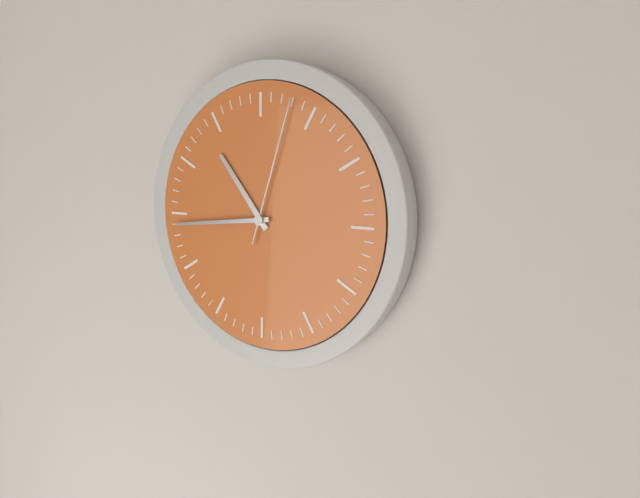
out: 10:44:03
